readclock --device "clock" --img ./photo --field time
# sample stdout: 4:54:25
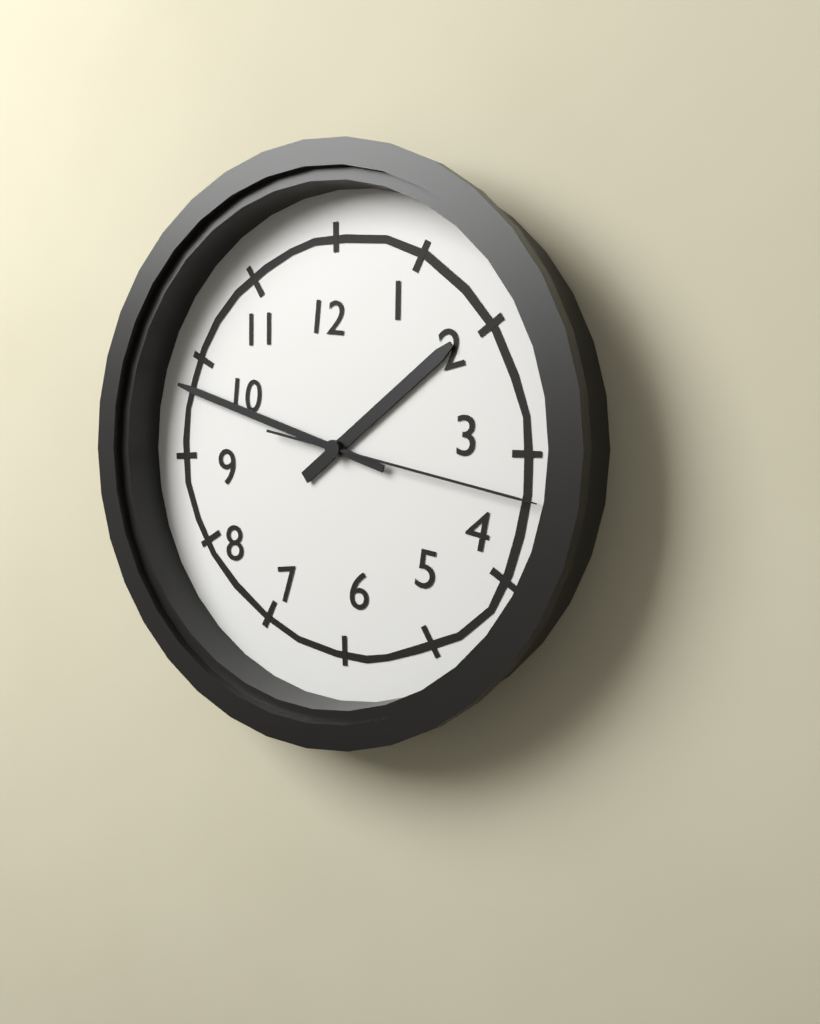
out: 1:48:17
